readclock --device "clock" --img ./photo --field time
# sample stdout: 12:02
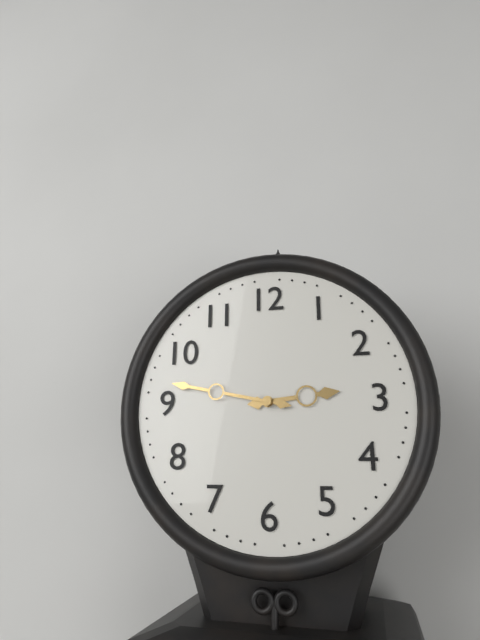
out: 2:47
